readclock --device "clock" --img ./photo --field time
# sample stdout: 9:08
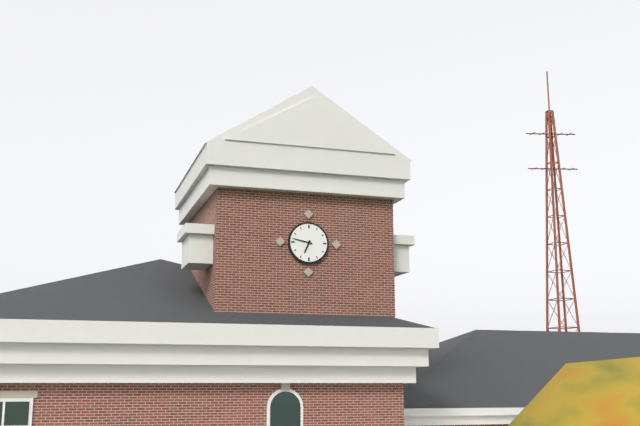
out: 6:47
